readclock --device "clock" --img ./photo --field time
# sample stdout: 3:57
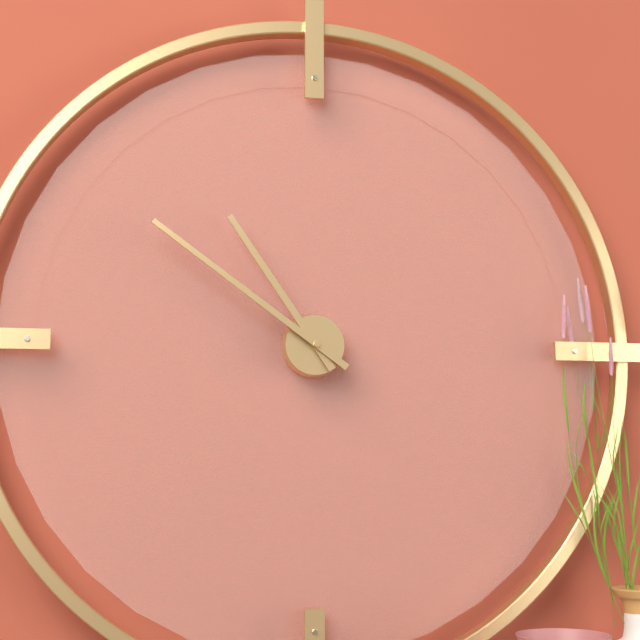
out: 10:51
